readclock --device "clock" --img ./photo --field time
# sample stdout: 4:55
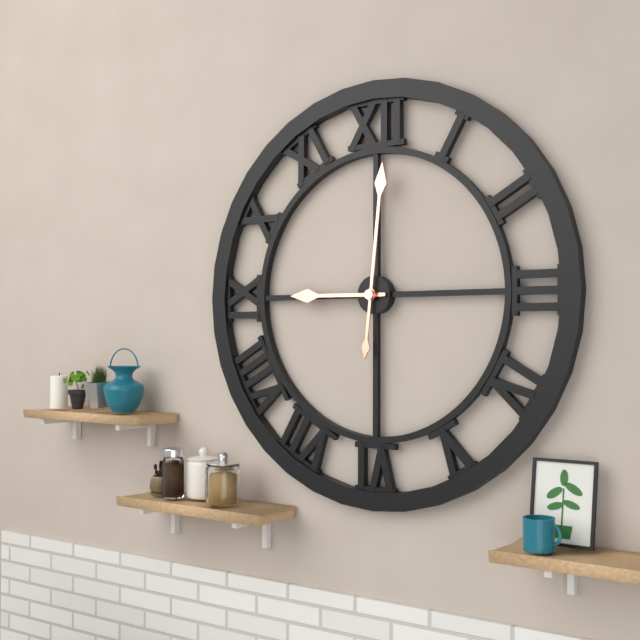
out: 9:01
